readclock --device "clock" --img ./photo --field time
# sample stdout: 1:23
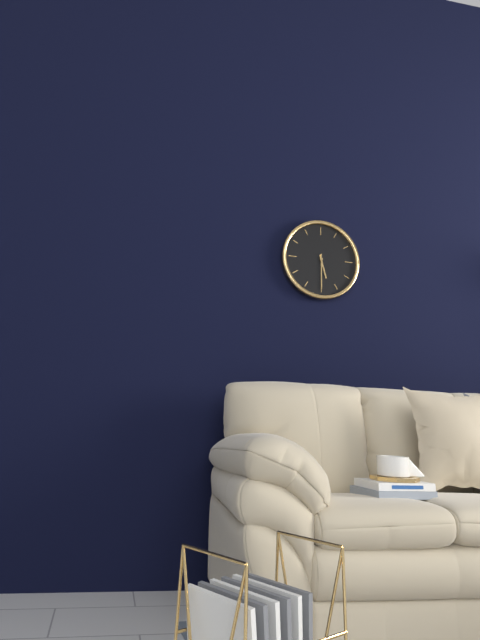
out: 5:30
